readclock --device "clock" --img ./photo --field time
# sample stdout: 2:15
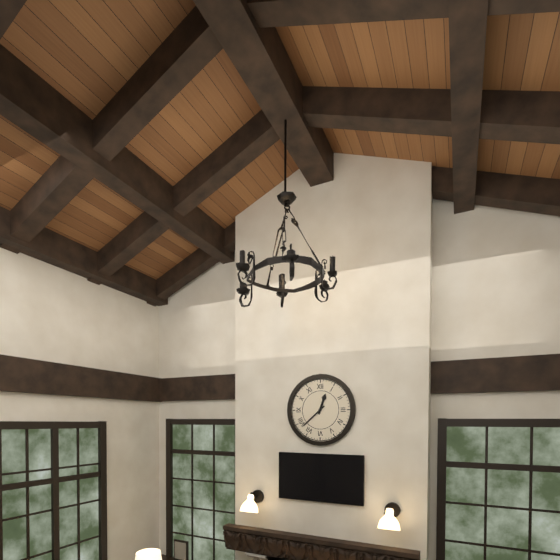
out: 12:38
